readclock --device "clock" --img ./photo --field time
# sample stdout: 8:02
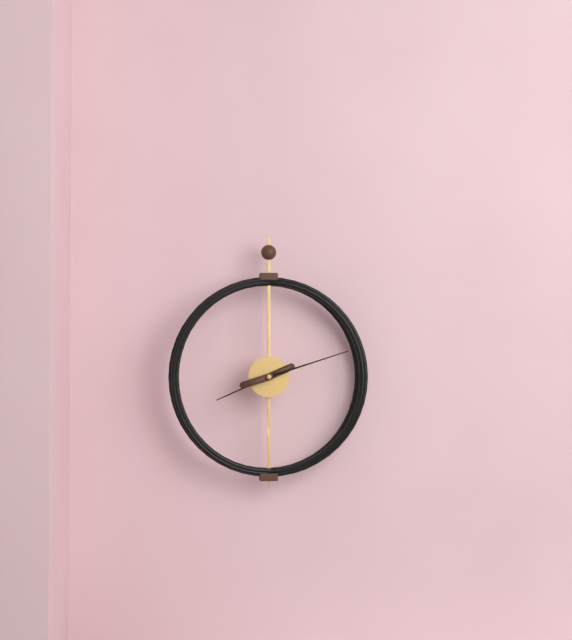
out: 8:12
